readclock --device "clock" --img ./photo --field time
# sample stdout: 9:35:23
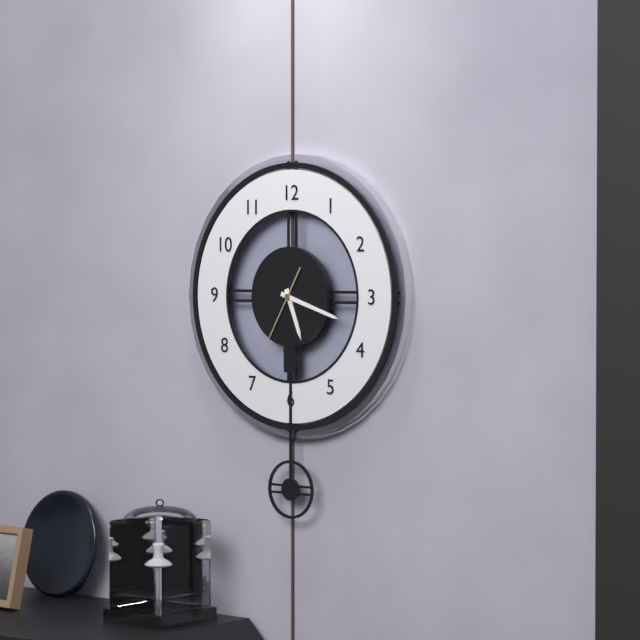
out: 5:18:35
